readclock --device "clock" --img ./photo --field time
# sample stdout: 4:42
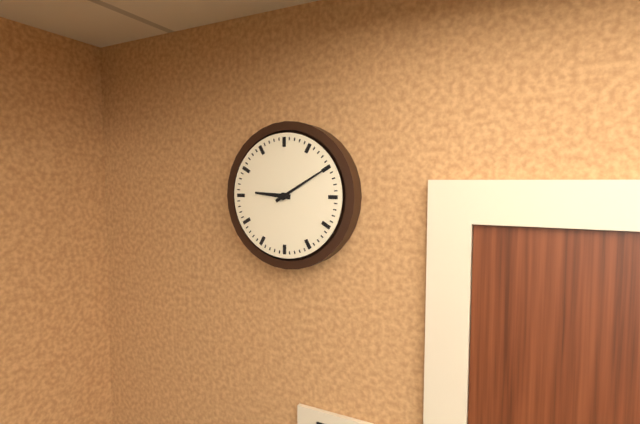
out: 9:10
